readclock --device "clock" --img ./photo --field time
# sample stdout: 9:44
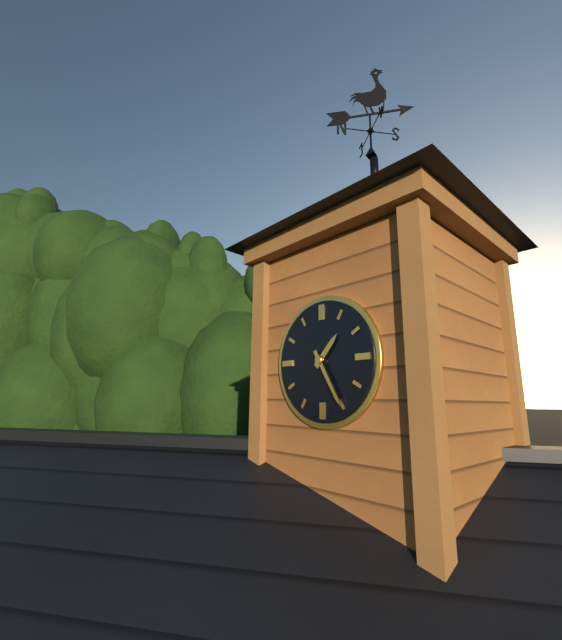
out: 1:25
